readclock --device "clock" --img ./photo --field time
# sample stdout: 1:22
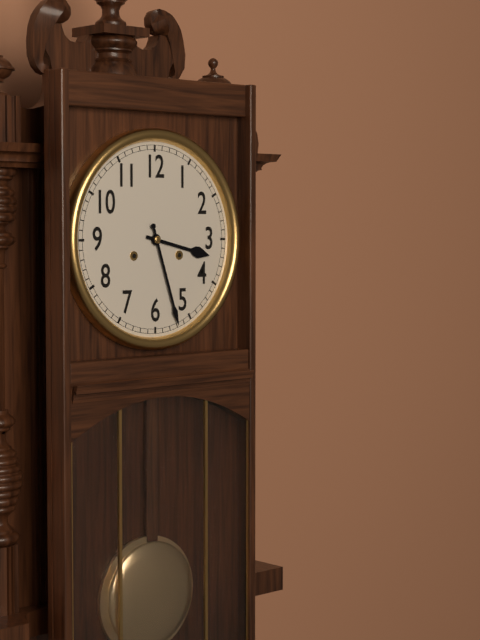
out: 3:27
